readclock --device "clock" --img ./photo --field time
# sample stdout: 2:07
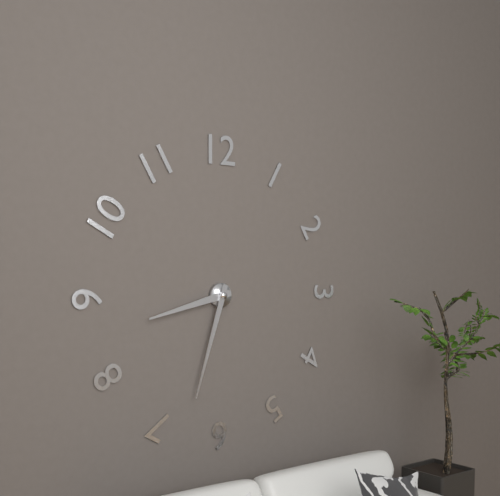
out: 8:33
